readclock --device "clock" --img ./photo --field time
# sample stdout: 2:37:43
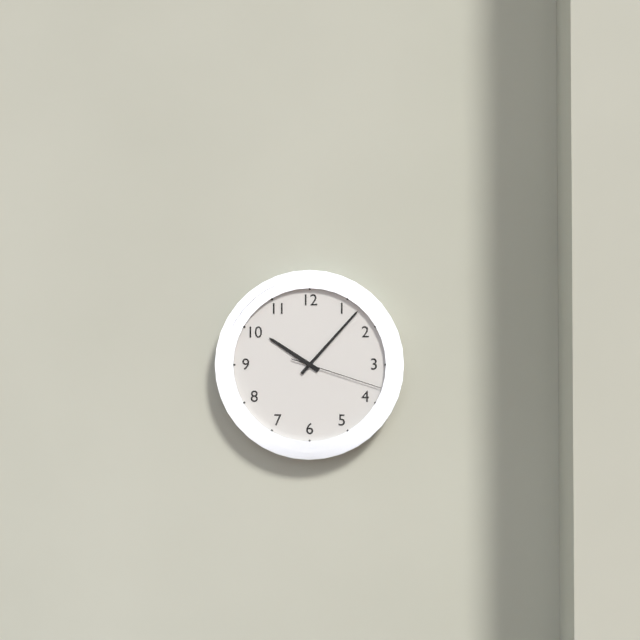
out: 10:07:18
